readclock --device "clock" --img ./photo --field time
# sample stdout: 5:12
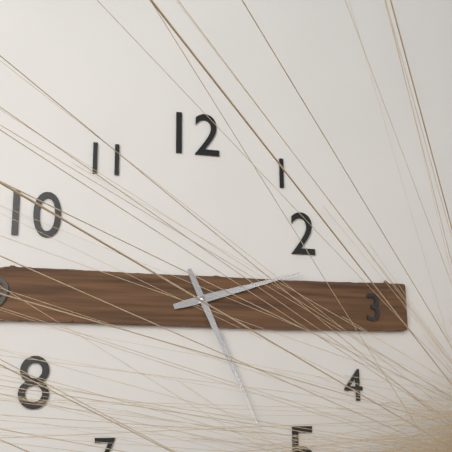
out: 2:26
